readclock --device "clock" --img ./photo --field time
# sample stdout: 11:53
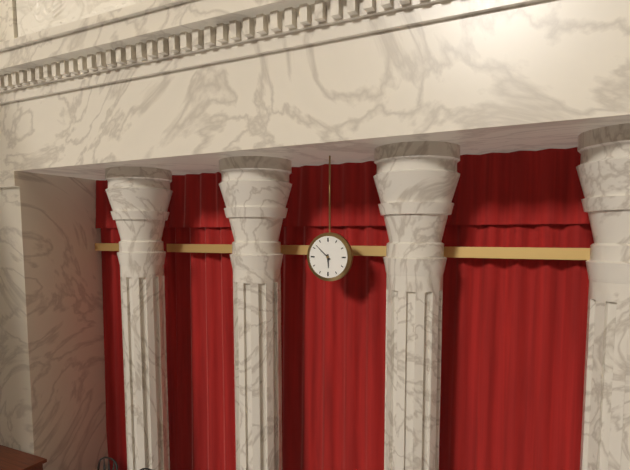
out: 5:52
